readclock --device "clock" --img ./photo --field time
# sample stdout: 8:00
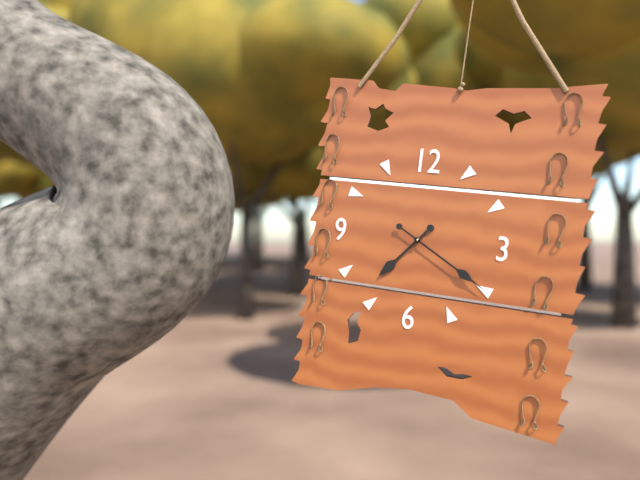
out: 7:20
